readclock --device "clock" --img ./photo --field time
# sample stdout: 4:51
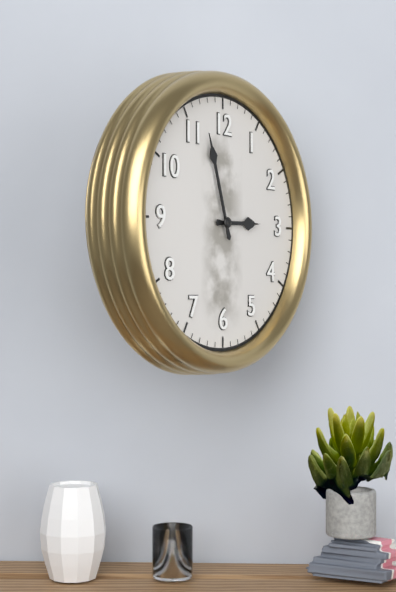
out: 2:57
